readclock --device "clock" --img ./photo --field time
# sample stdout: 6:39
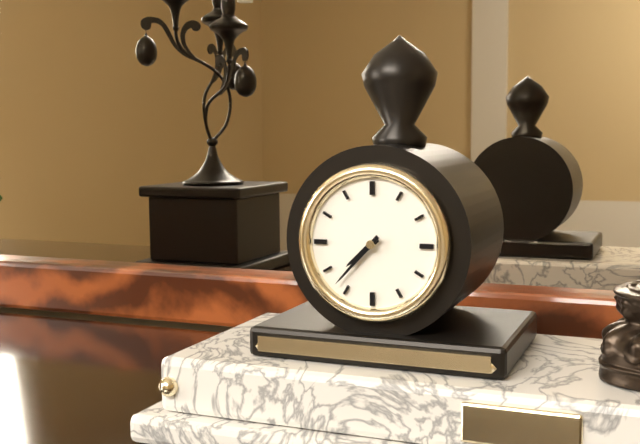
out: 7:37
